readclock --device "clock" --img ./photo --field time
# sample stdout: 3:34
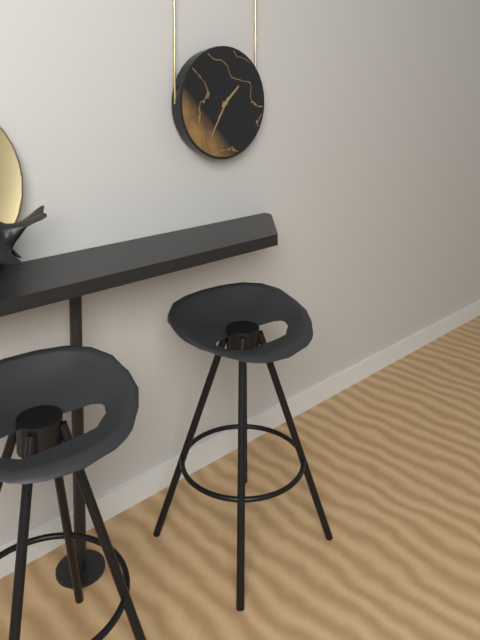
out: 1:35
